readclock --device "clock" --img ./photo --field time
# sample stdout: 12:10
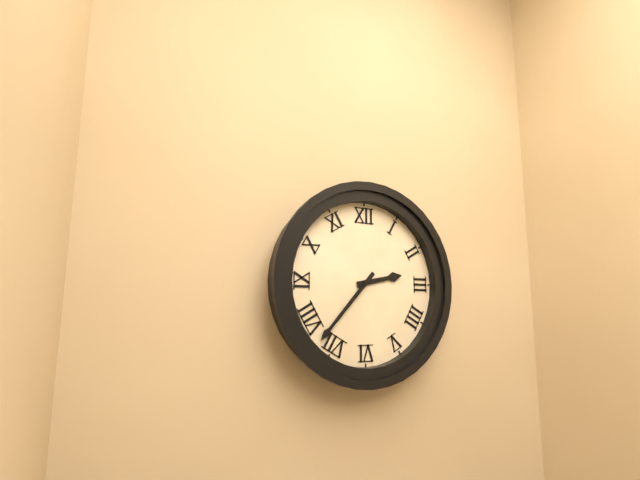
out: 2:37
